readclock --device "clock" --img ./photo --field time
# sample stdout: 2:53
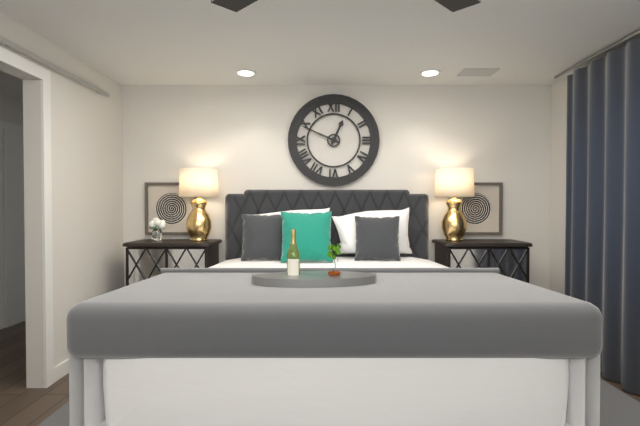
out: 12:49
